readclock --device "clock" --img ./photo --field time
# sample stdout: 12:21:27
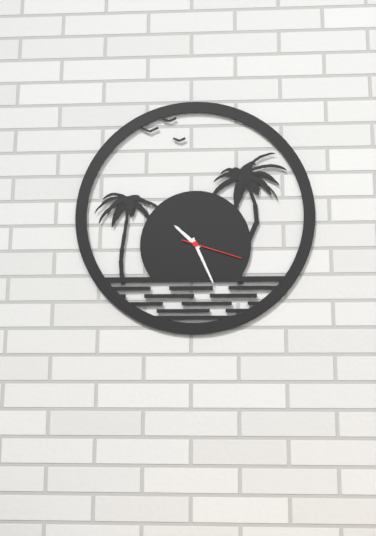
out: 10:26:18
